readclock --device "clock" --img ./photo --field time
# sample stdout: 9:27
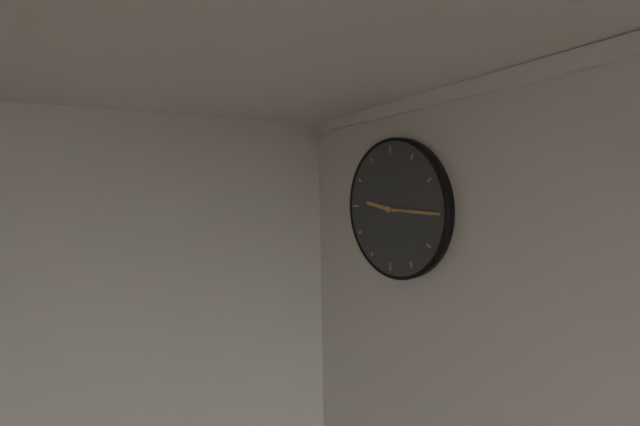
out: 9:15
